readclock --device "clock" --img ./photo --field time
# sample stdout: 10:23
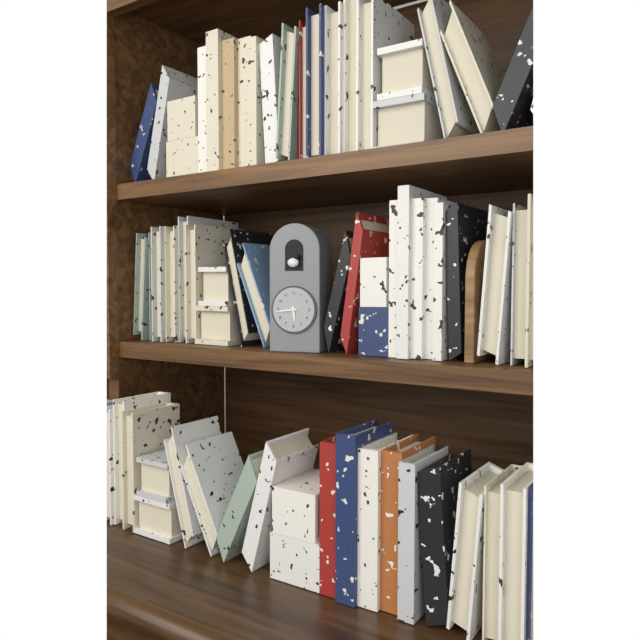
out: 5:44
